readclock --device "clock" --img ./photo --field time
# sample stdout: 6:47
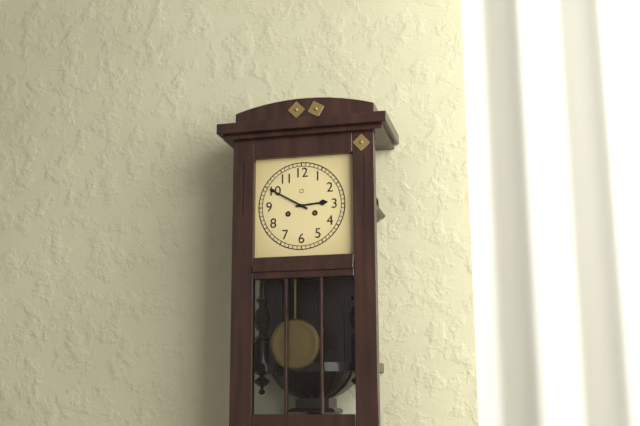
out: 2:50
